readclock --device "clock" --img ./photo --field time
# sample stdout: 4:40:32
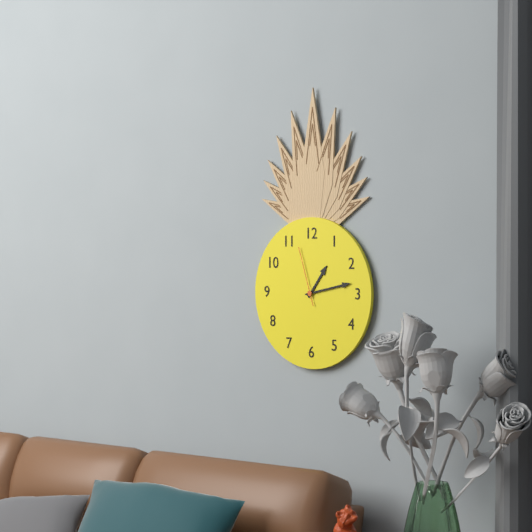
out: 1:13:57
